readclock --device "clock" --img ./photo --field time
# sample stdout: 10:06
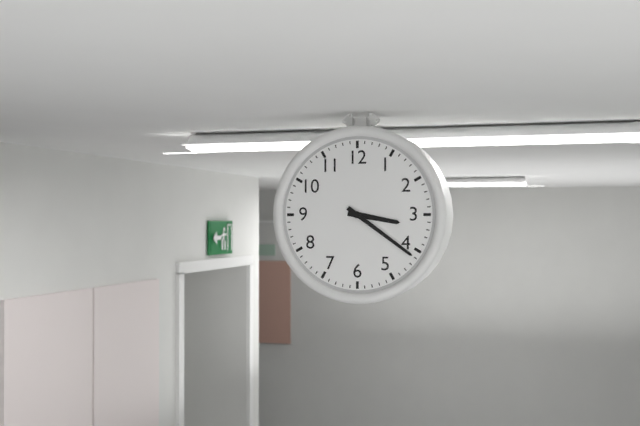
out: 3:21
